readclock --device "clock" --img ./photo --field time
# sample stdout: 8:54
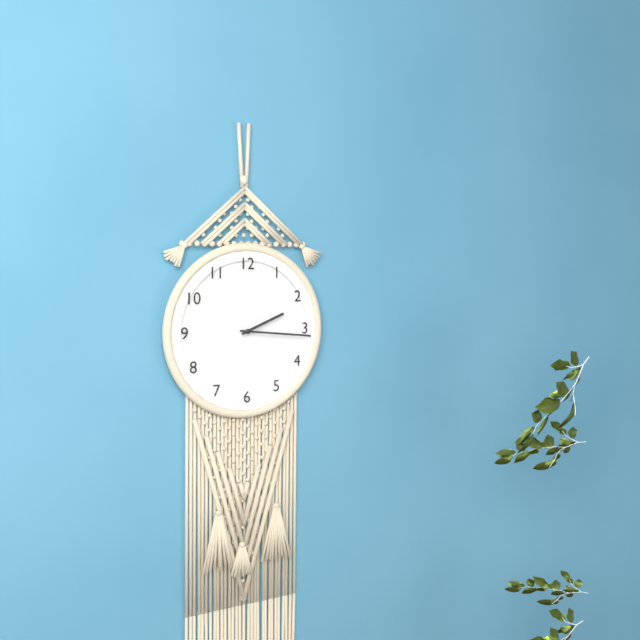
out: 2:16
